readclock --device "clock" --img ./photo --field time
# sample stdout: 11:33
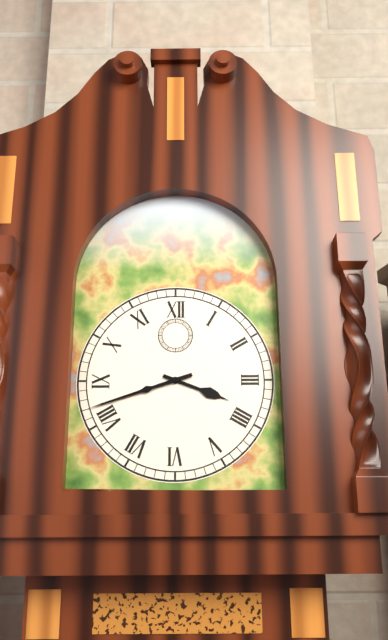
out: 3:42
